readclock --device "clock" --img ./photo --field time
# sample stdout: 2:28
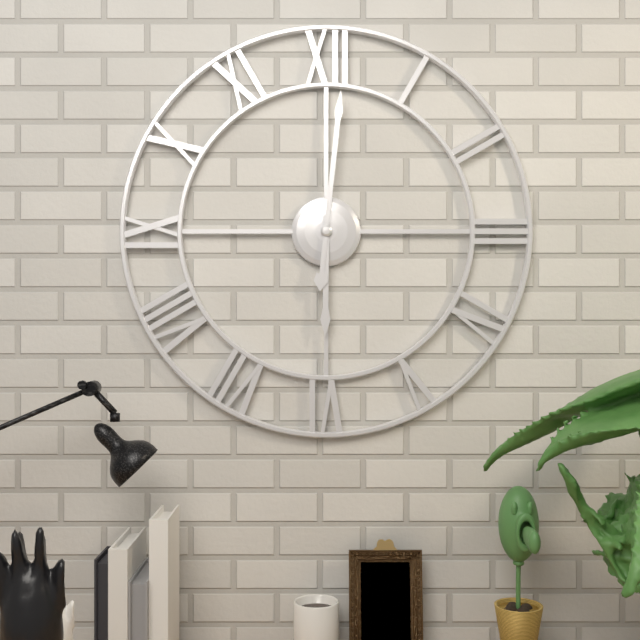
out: 6:01
